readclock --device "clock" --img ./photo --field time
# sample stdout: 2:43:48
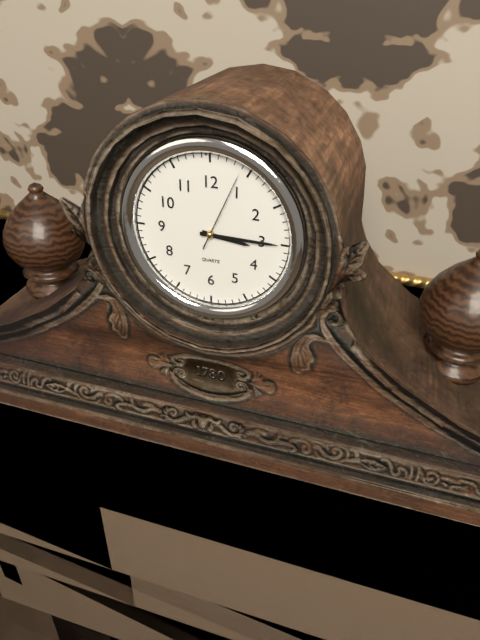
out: 3:15:04
